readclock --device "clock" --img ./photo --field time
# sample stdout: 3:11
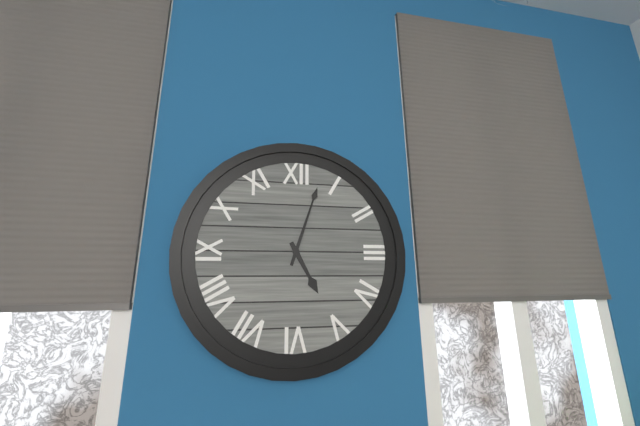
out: 5:03
